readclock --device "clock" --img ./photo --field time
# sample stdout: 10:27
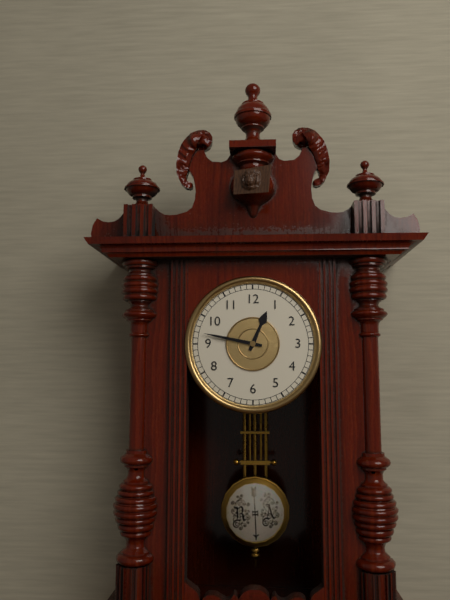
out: 12:47
